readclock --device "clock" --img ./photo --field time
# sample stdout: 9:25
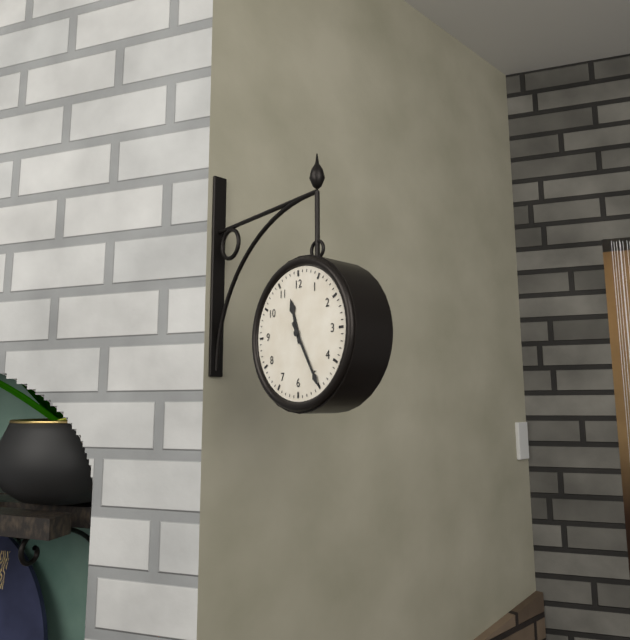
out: 11:25
